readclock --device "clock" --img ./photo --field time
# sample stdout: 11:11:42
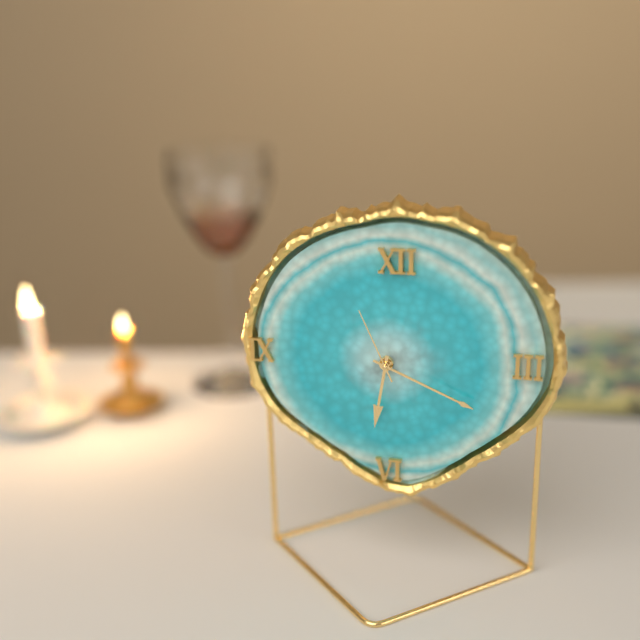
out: 6:19:56
